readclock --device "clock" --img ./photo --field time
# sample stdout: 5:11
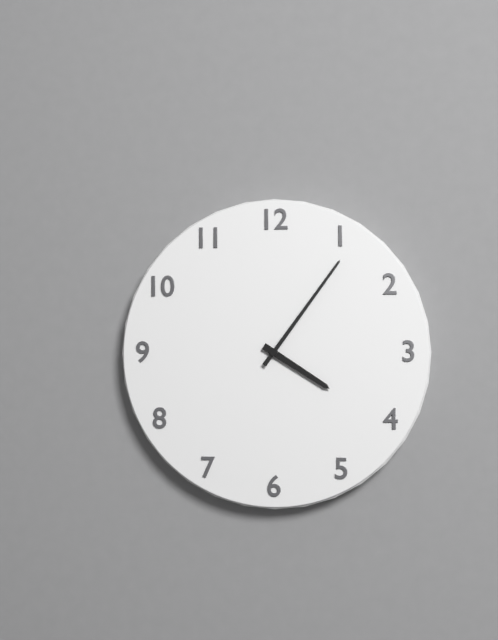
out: 4:06
